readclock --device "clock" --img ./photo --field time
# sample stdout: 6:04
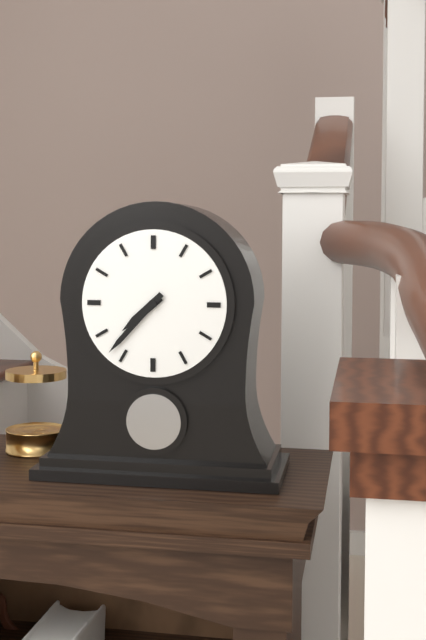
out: 7:37
